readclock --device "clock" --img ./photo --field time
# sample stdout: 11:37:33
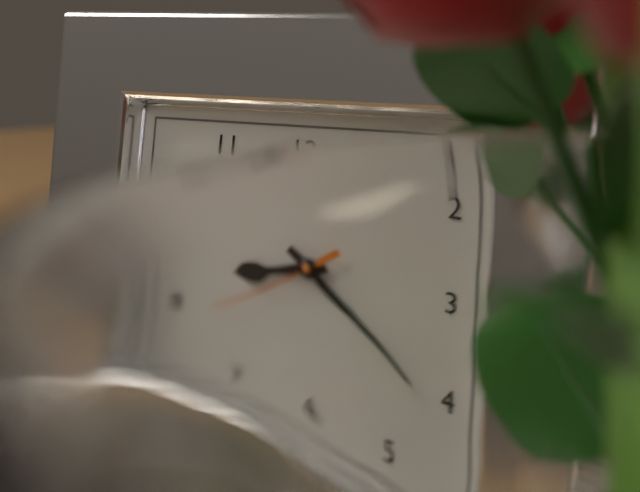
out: 8:21:39
